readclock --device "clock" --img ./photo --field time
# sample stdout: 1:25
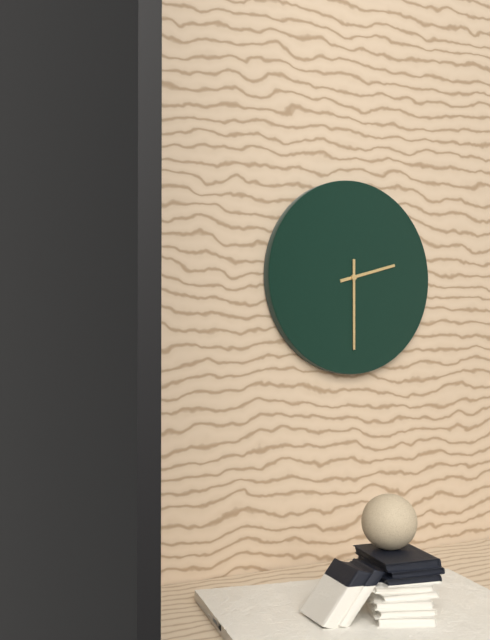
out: 2:30
